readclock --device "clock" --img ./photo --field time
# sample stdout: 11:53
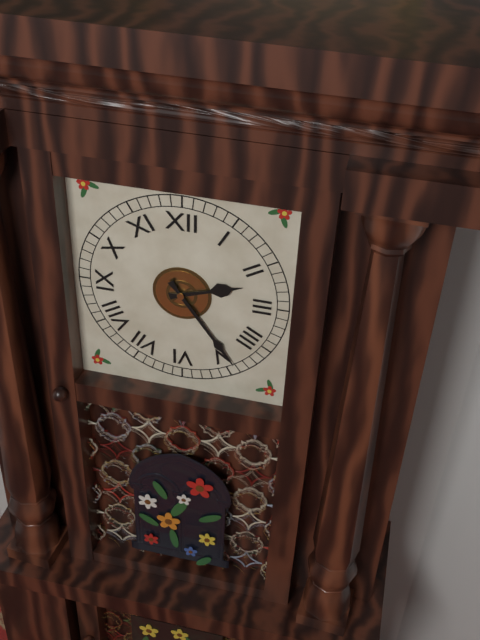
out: 2:24
